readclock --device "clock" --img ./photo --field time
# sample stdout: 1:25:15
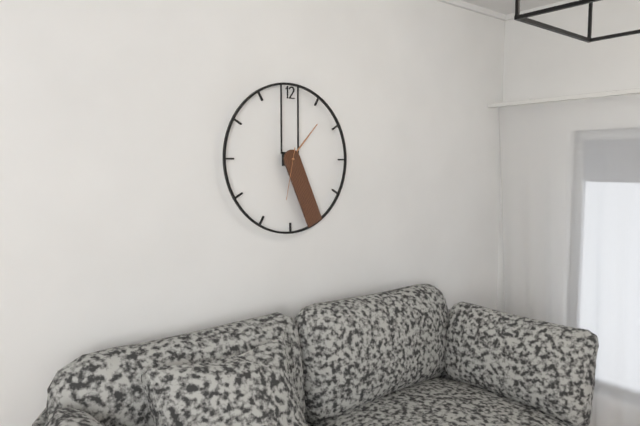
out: 1:26:32
